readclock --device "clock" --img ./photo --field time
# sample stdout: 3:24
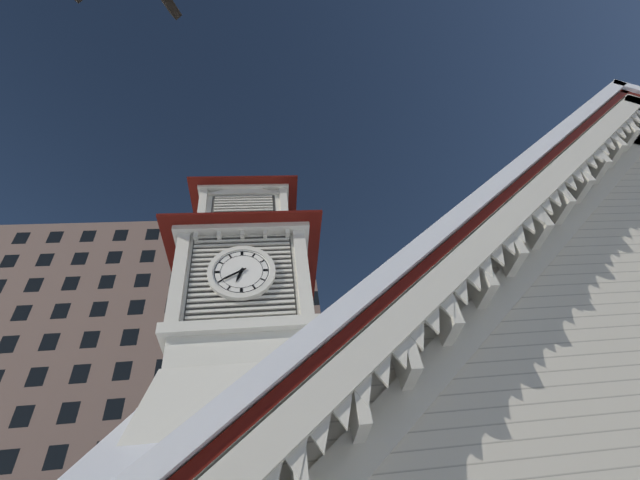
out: 6:40
